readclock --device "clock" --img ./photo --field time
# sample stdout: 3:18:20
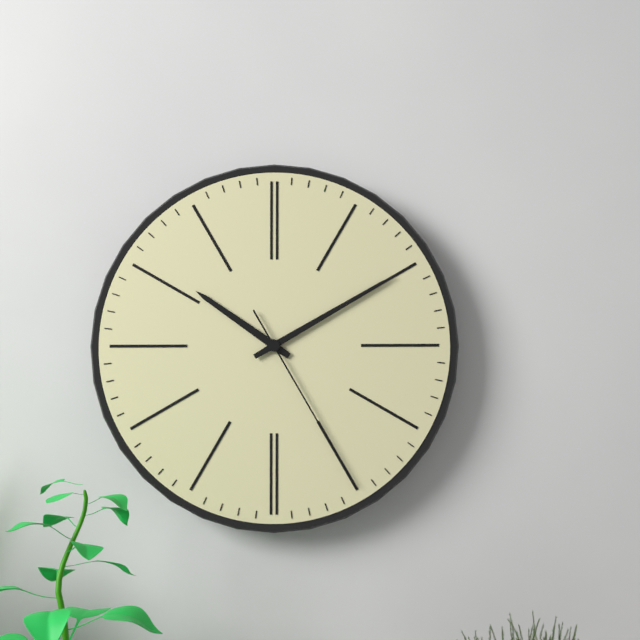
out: 10:10:25
